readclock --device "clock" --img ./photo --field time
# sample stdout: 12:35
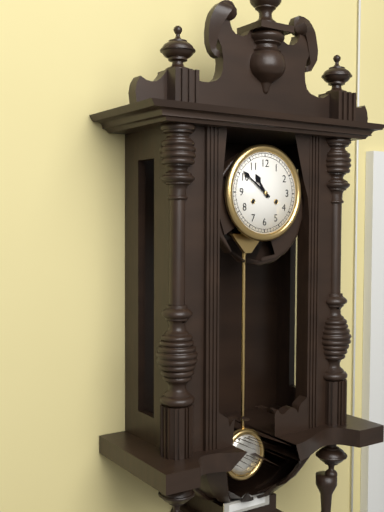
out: 10:51
